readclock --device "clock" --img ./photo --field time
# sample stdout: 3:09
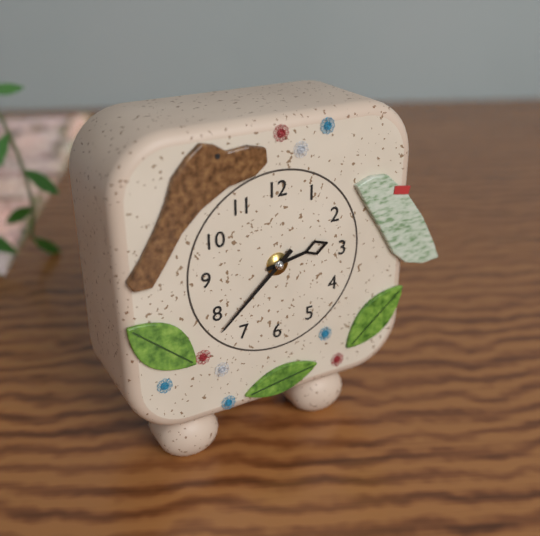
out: 2:38
